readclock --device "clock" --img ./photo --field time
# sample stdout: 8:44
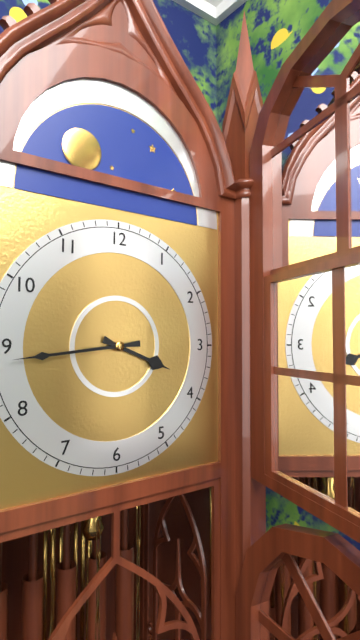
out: 3:44
